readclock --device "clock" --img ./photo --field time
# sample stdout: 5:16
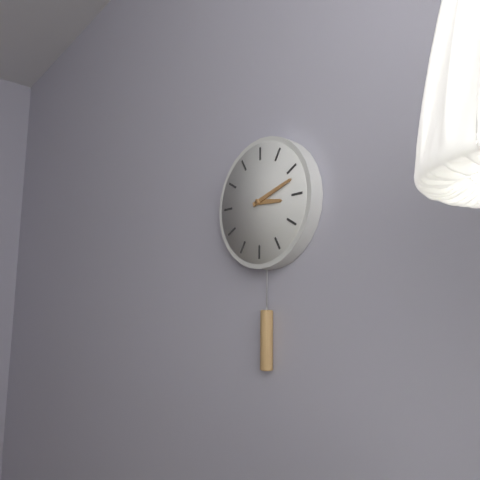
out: 3:12
